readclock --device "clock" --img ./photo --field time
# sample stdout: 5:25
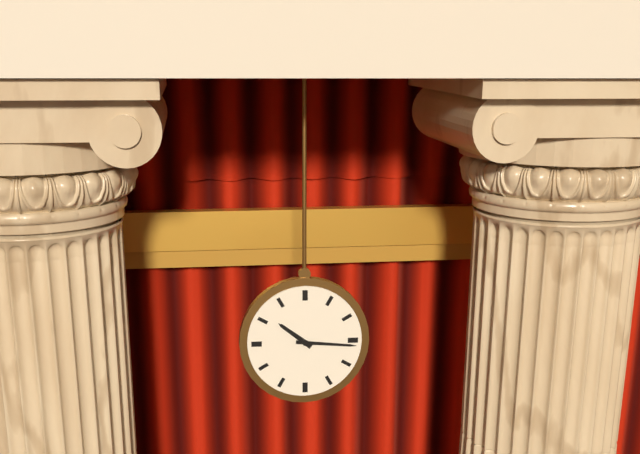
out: 10:16
